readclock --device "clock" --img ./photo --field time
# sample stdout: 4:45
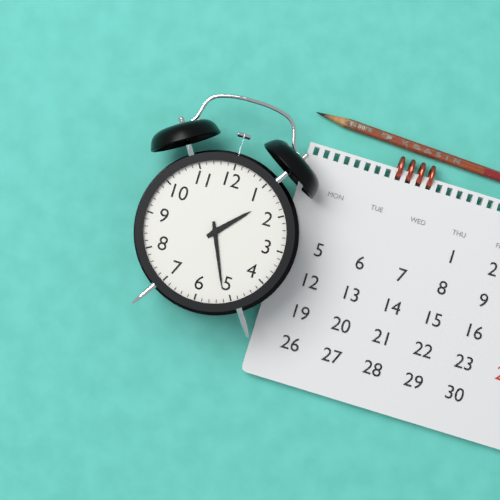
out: 1:26
